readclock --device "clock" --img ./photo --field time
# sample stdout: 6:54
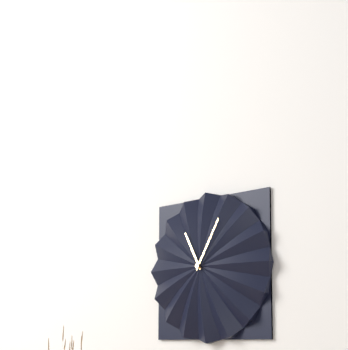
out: 11:05
